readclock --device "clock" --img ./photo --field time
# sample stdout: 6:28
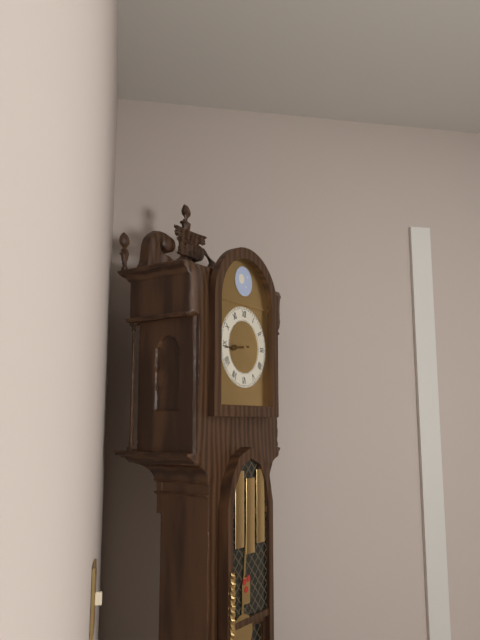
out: 8:44
